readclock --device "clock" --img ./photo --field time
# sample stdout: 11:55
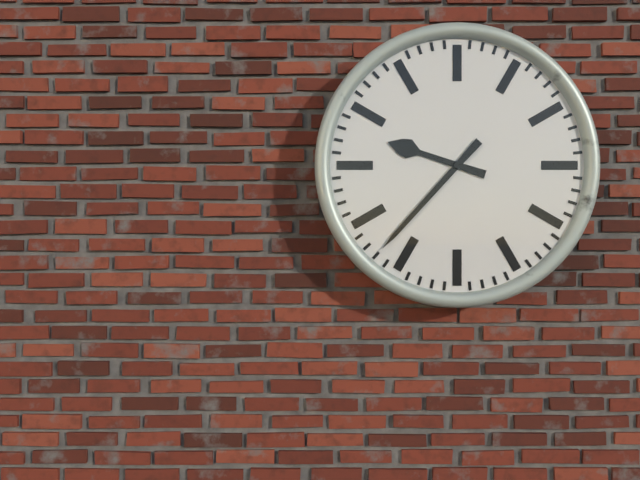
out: 9:37
